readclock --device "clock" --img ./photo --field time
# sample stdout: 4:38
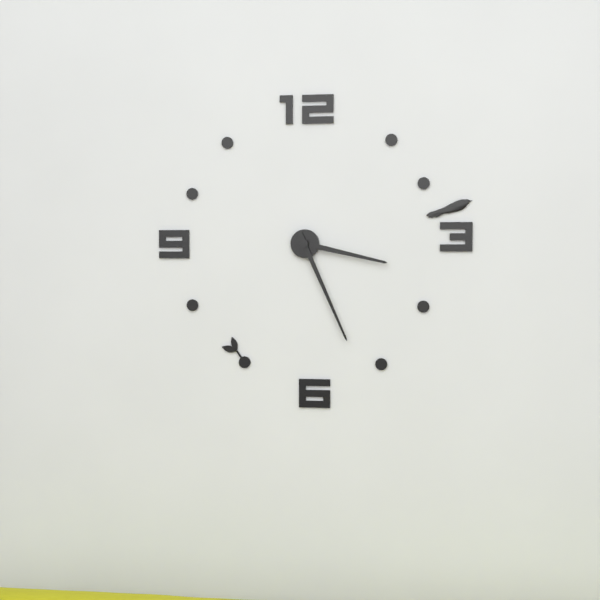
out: 3:26
